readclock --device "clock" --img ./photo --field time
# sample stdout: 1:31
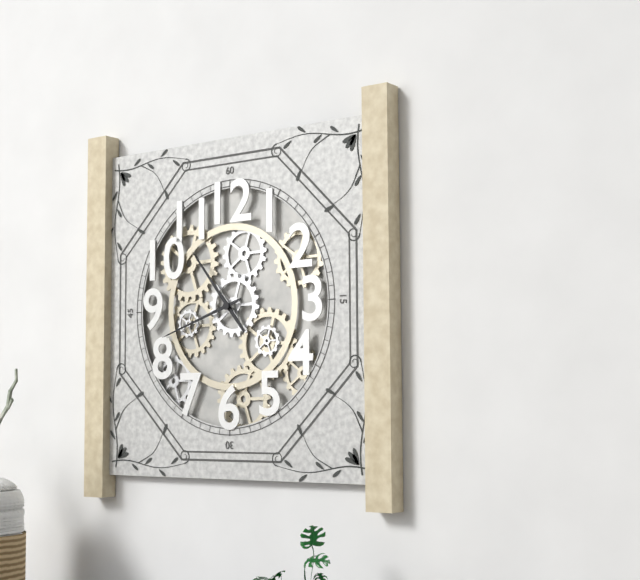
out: 10:42
